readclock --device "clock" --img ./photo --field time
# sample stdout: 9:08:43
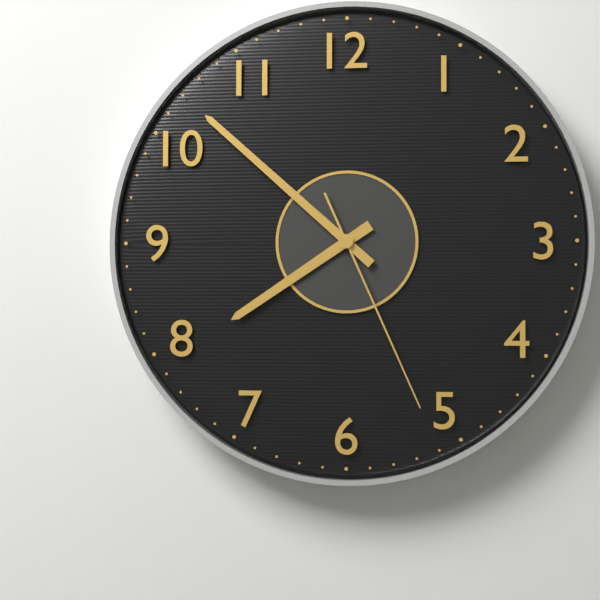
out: 7:52:26
